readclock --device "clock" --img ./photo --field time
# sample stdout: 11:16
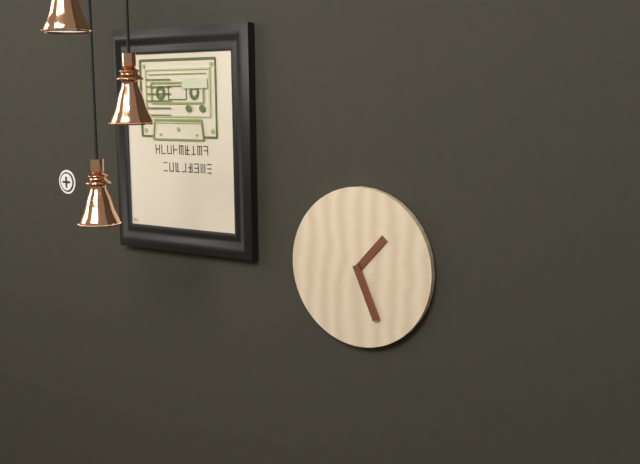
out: 1:26
